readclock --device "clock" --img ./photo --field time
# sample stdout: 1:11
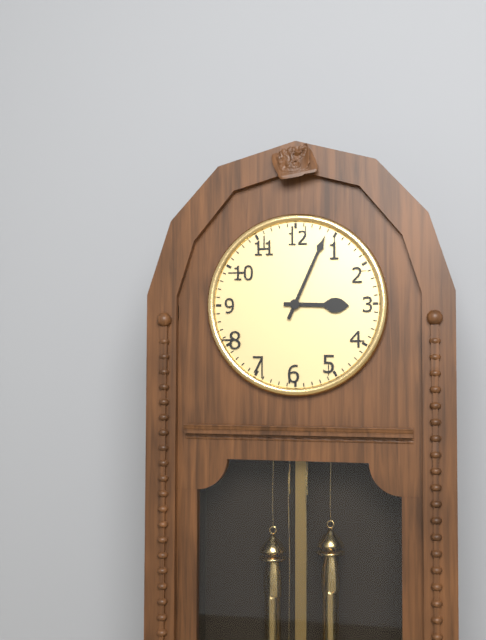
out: 3:04
